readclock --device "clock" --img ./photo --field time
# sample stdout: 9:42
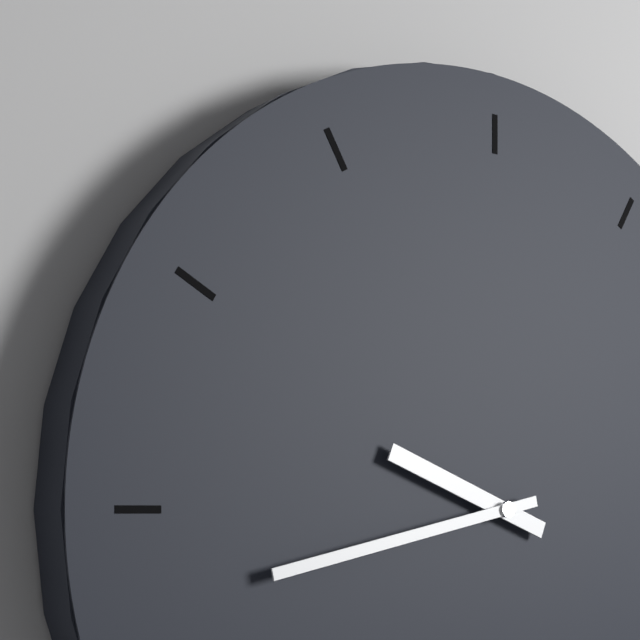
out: 9:43
